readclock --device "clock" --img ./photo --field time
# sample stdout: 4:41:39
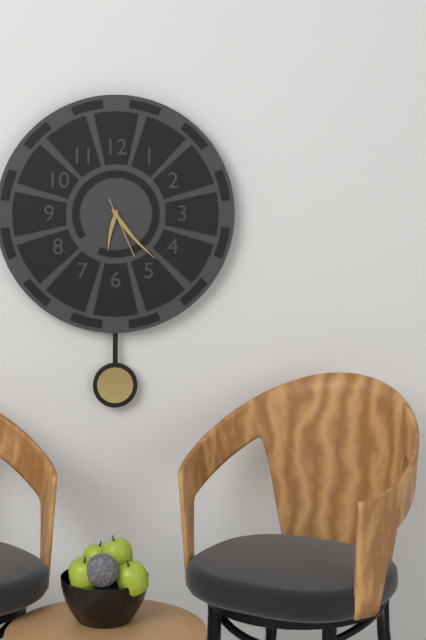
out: 6:23:26
